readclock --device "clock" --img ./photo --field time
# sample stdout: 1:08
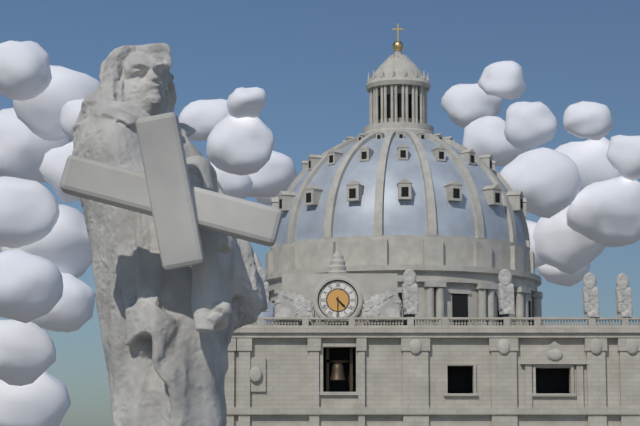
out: 4:30
